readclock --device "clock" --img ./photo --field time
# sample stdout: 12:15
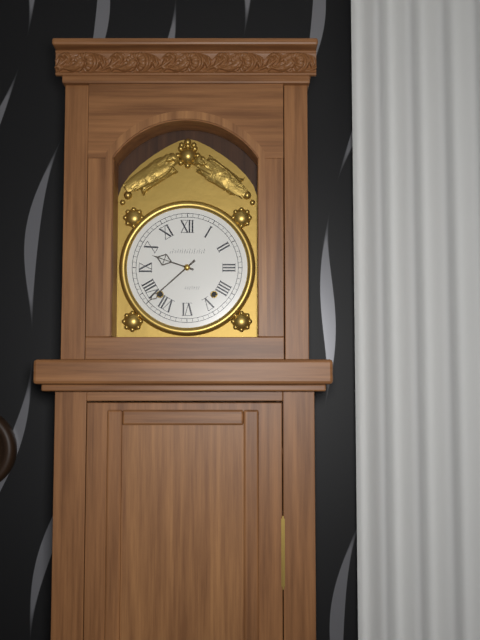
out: 9:38
